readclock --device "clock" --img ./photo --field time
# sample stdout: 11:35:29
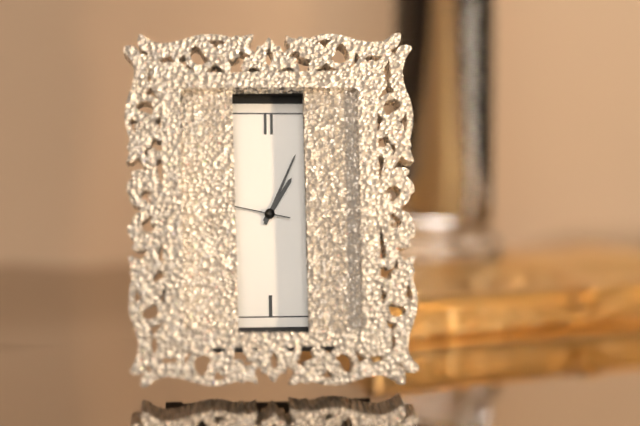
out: 1:04:47
